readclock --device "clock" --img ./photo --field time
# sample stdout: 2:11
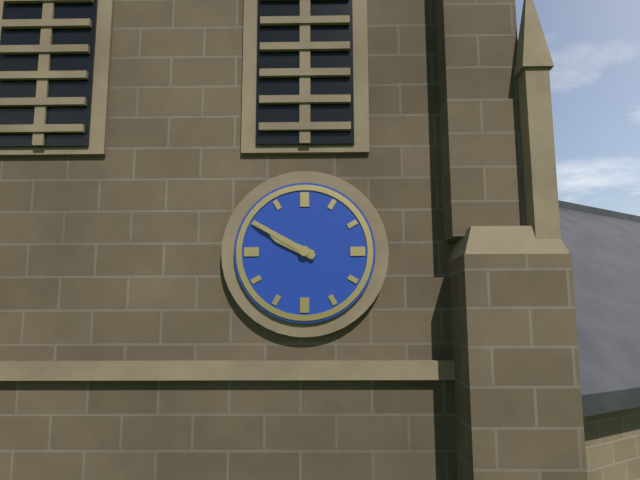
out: 9:50
